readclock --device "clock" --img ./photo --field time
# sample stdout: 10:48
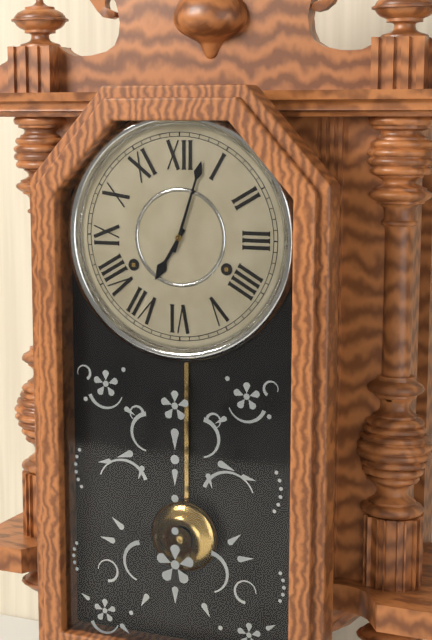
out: 7:03
